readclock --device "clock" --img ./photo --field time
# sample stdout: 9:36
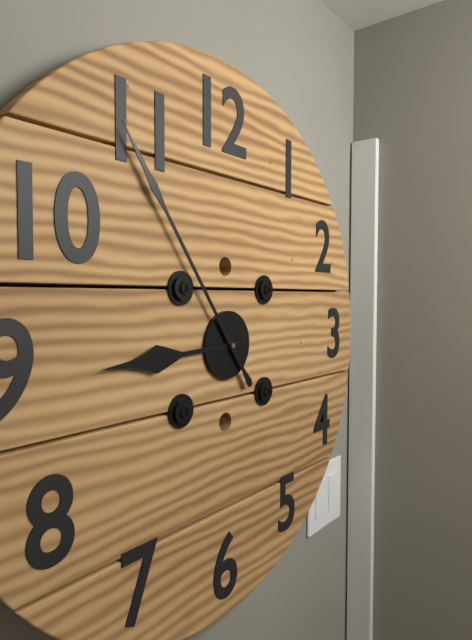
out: 8:54
